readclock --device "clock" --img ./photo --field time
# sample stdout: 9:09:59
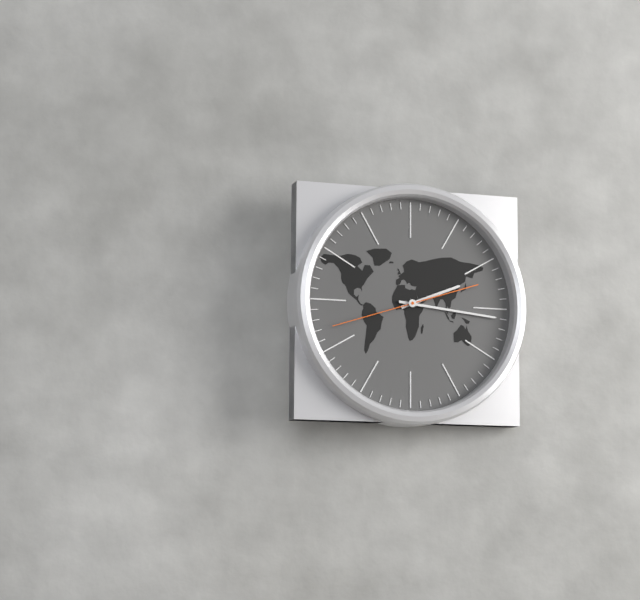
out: 2:16:42
